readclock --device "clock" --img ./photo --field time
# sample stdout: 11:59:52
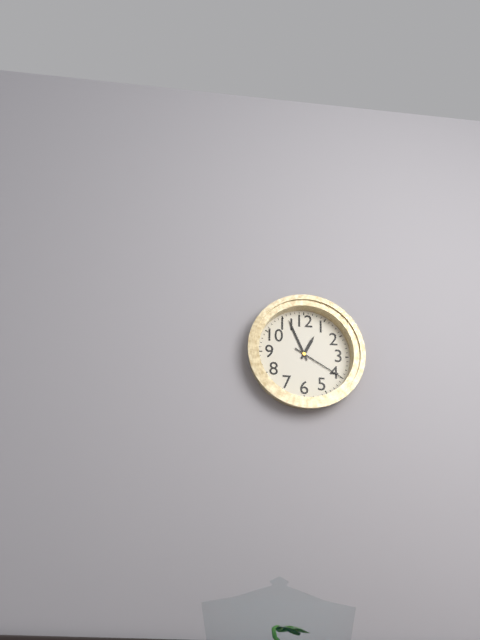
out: 12:56:20
